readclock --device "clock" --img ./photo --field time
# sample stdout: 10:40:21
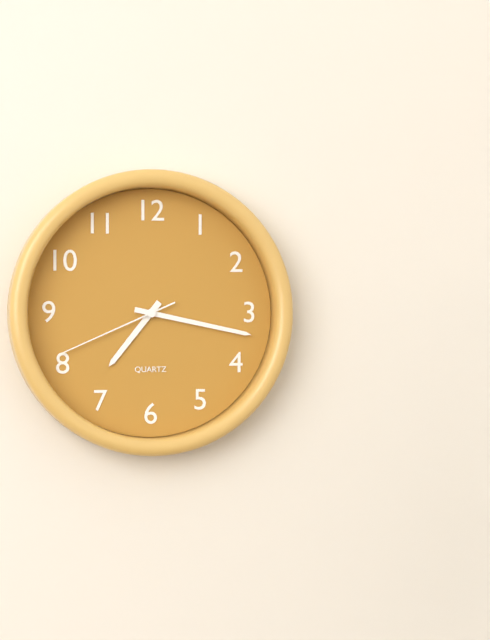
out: 7:17:41
